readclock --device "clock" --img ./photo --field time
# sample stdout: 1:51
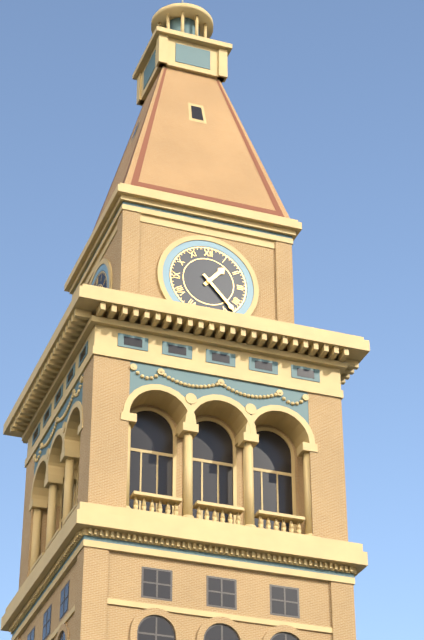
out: 1:23
